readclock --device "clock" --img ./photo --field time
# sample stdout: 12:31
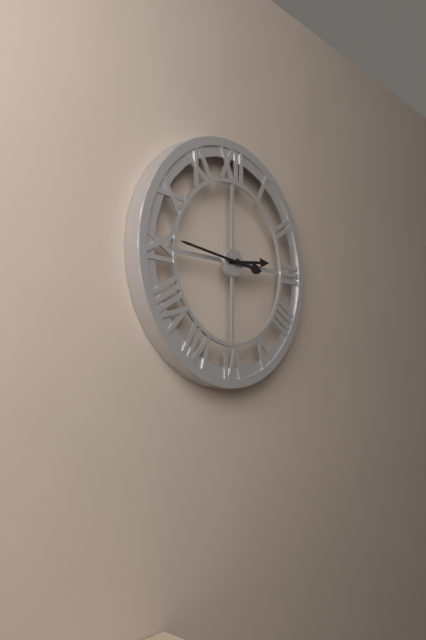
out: 2:46
